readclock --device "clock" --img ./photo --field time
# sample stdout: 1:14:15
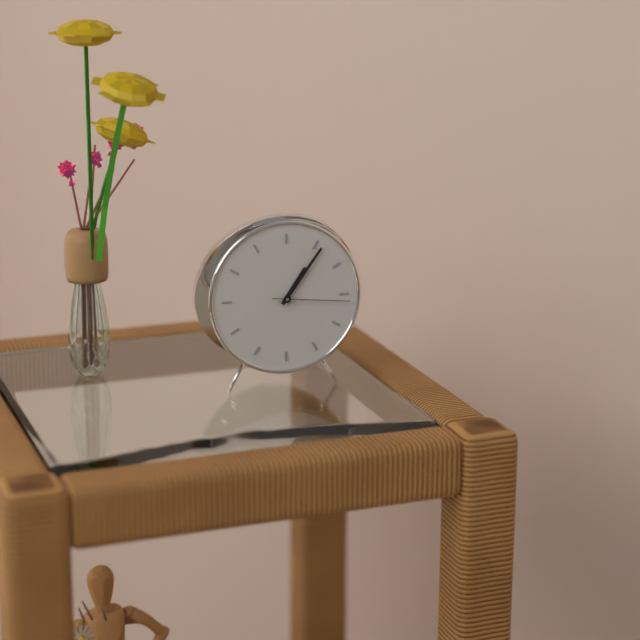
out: 1:06:16
